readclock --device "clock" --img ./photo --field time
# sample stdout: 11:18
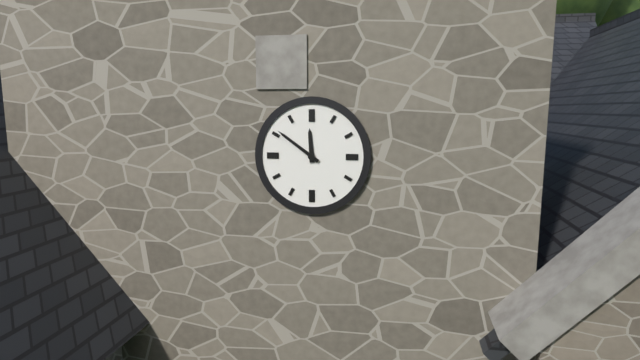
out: 11:51
